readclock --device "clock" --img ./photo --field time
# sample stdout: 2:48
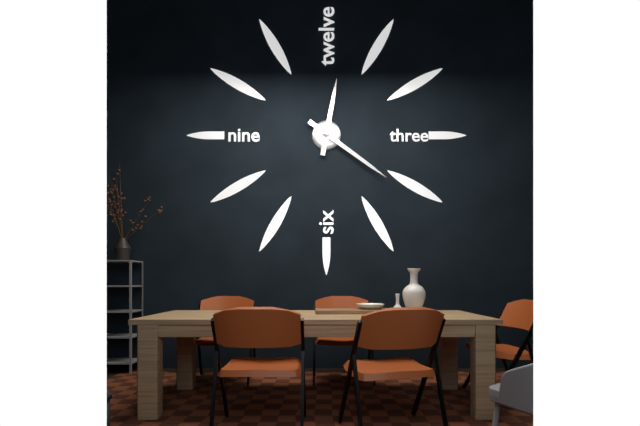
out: 12:21
